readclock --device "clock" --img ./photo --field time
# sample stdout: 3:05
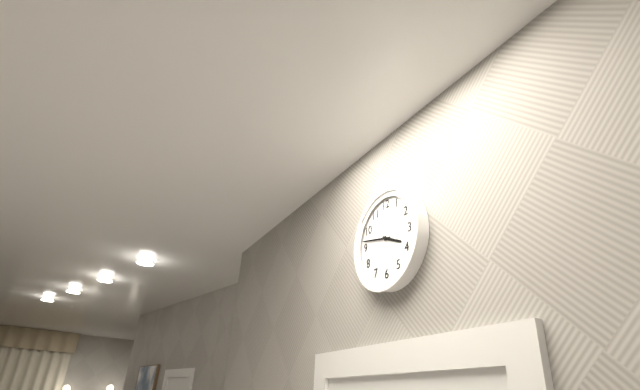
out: 3:47
